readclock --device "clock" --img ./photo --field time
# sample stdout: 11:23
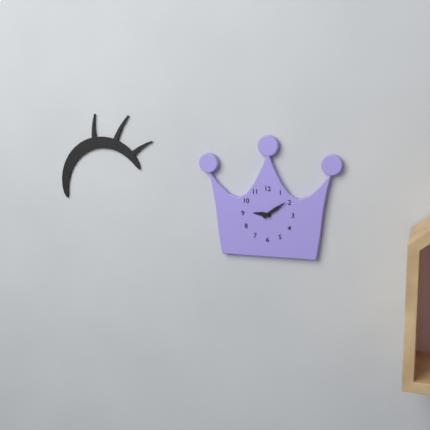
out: 9:09
